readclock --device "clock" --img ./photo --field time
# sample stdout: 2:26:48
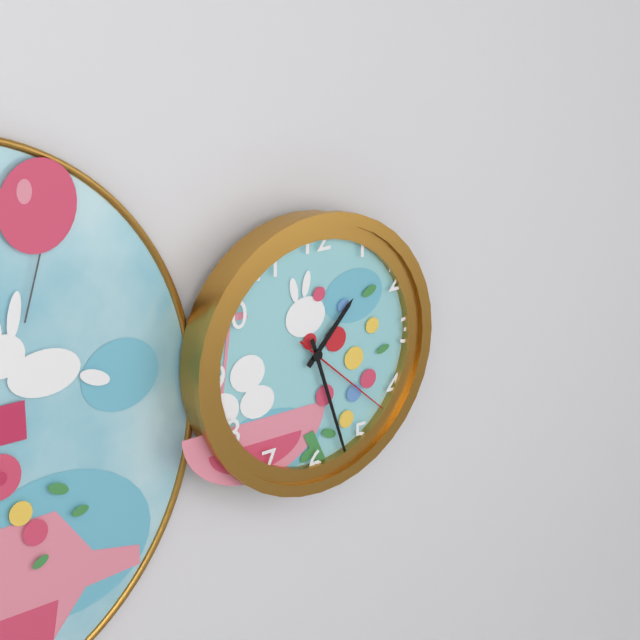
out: 1:27:22
